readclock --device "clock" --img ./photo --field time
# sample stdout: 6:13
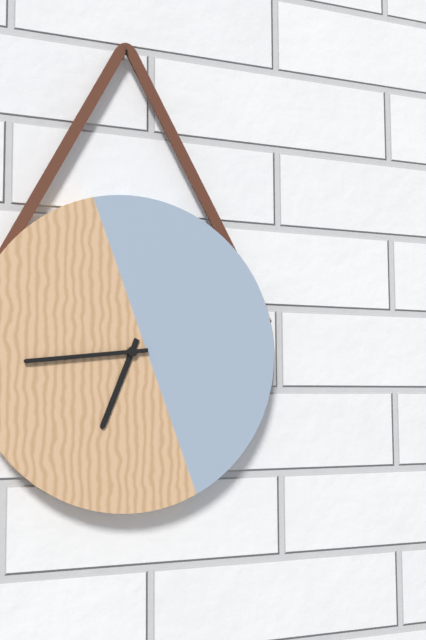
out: 6:44
